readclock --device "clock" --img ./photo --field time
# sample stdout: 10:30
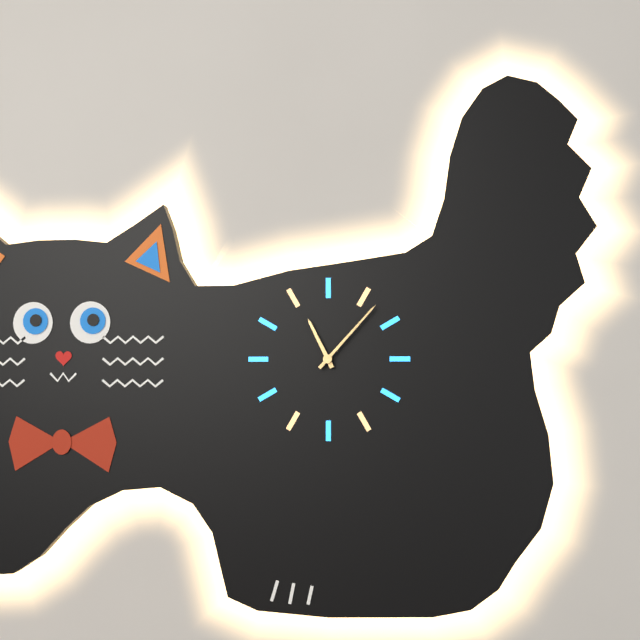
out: 11:07
